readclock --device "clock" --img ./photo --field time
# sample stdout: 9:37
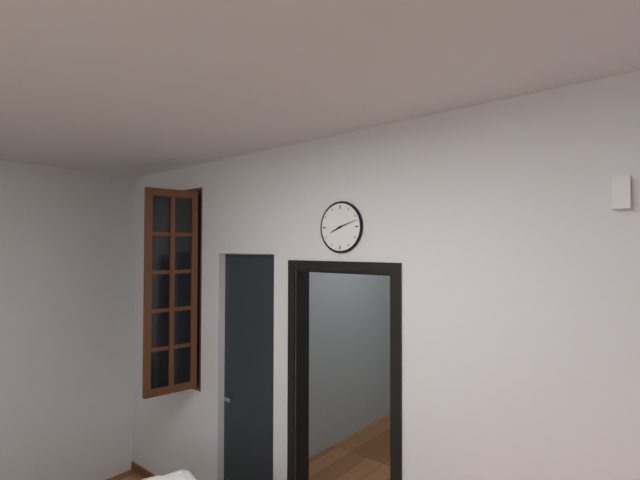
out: 8:12
